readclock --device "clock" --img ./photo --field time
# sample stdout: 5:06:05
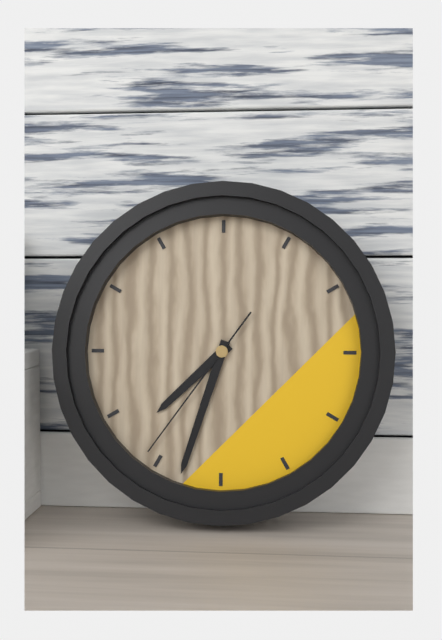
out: 7:33:36
